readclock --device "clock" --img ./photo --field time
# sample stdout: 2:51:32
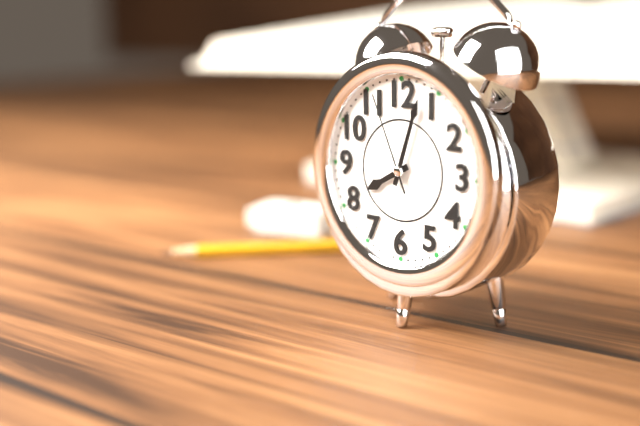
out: 8:03:56
